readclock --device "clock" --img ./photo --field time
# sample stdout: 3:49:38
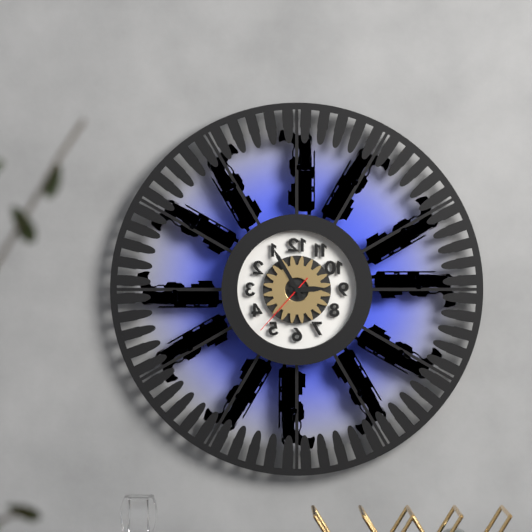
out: 2:55:37
